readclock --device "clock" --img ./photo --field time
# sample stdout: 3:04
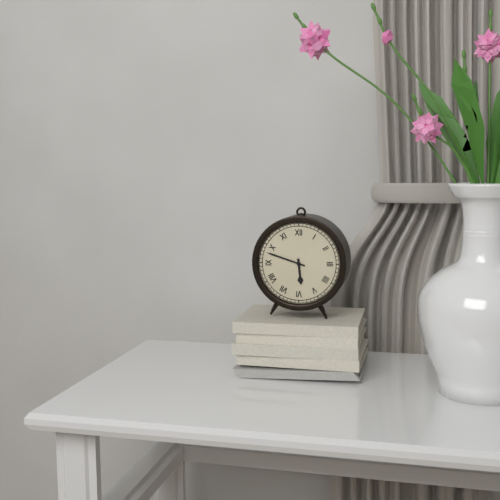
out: 5:48
